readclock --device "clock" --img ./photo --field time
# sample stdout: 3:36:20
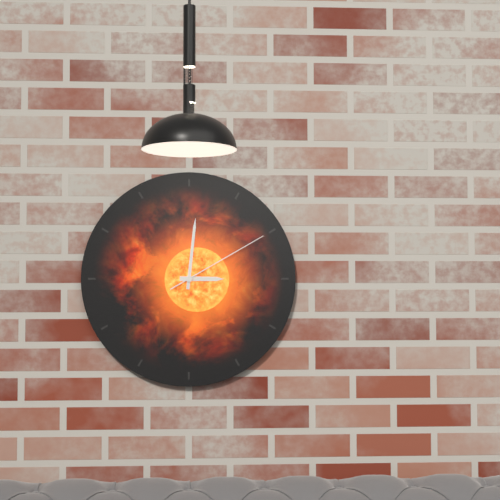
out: 3:01:10
